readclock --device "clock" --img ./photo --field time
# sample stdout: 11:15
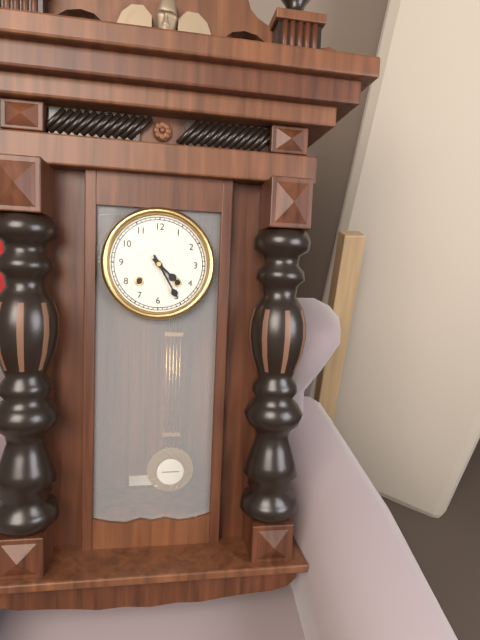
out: 4:25
